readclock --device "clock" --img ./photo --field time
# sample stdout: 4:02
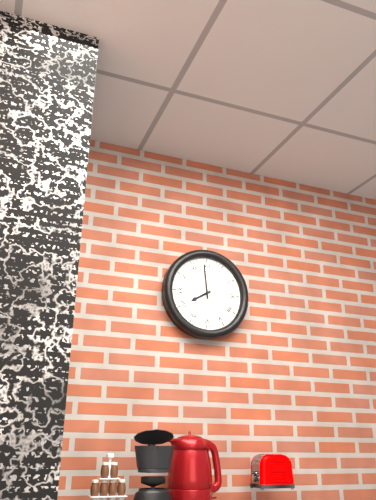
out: 7:59
